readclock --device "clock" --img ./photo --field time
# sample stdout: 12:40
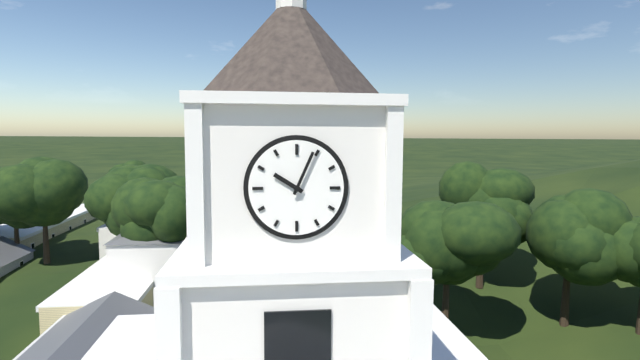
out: 10:04
